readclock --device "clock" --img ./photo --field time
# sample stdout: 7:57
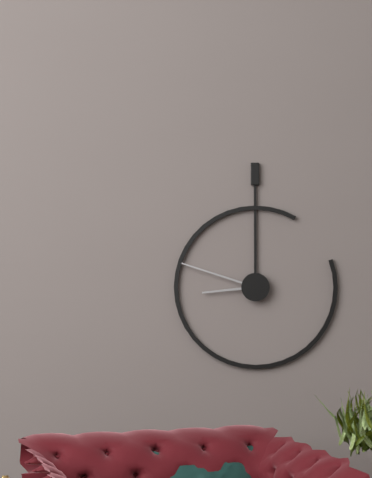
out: 8:48
